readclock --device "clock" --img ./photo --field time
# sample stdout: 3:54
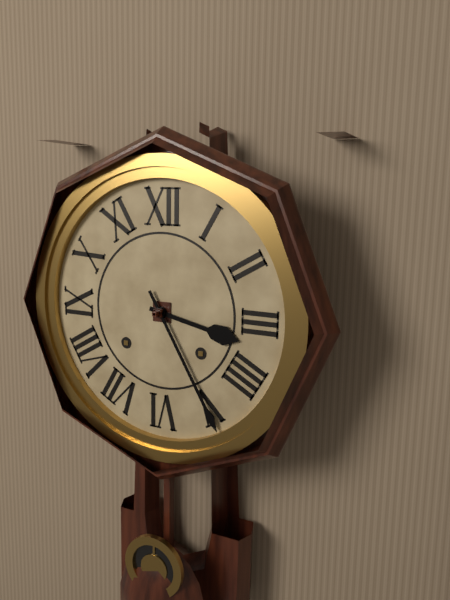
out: 3:25
